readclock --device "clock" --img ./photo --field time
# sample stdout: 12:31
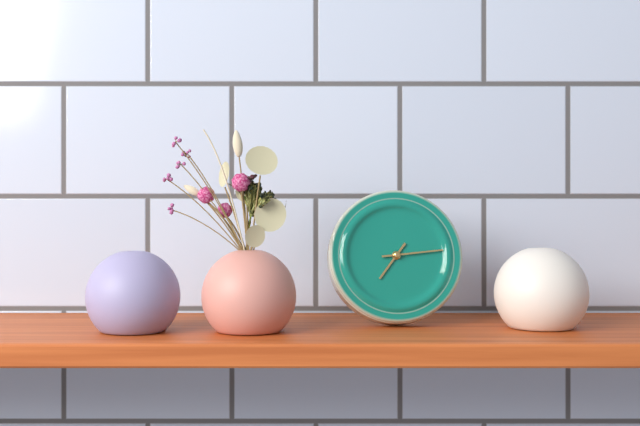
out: 7:14
